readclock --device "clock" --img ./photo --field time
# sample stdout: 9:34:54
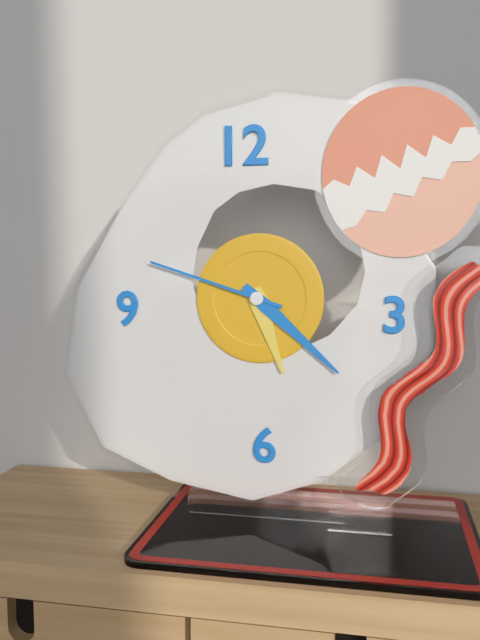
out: 5:22:48
